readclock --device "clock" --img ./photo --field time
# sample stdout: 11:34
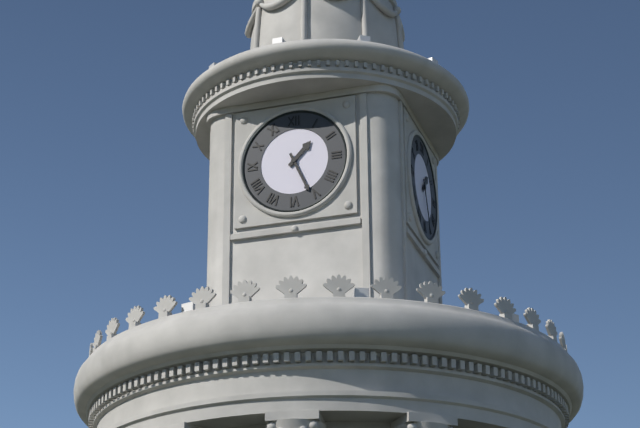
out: 1:26
